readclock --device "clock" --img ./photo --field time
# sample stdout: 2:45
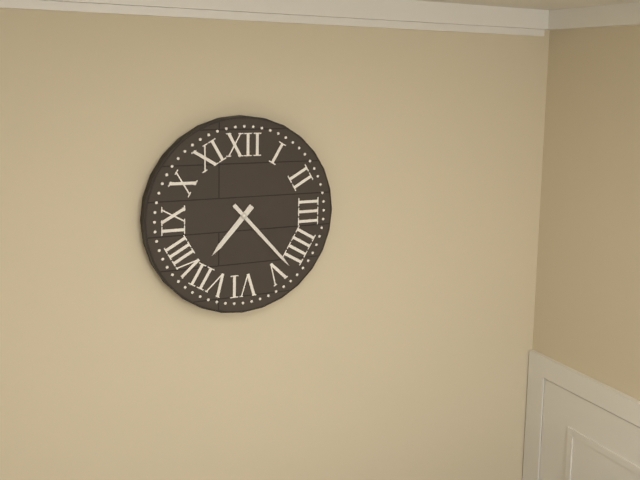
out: 7:23
